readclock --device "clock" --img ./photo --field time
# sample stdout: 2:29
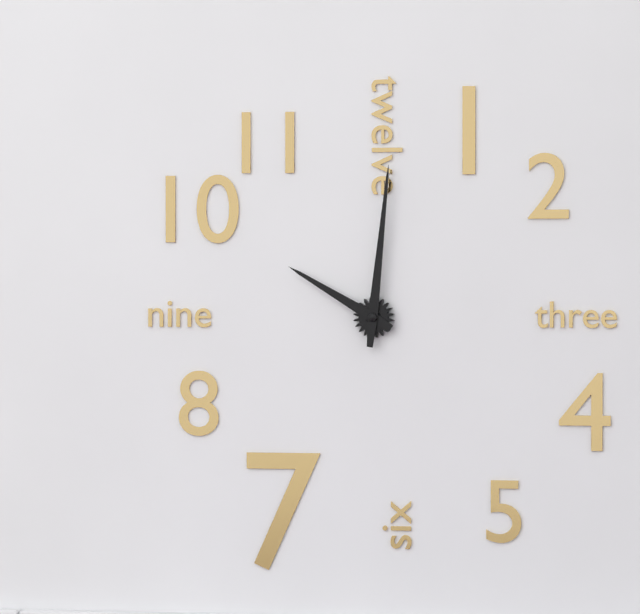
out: 10:01
